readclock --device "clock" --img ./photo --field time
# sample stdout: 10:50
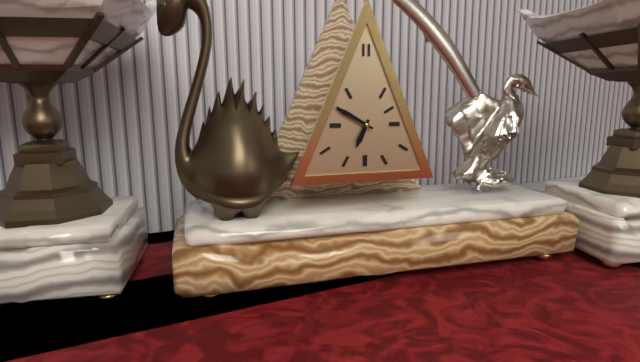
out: 6:50
